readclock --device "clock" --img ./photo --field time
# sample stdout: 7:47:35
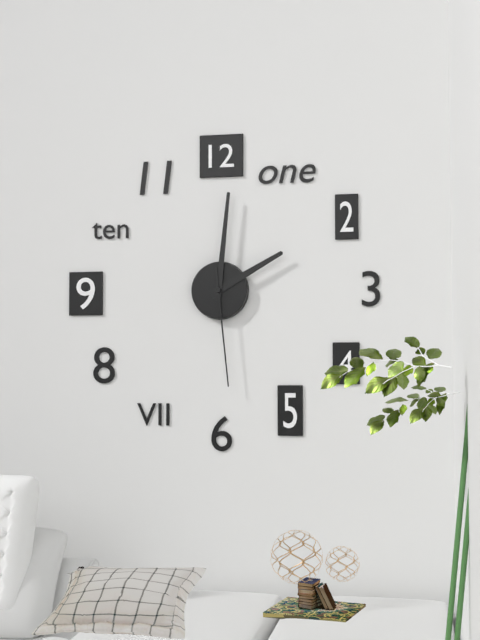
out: 2:01:29
